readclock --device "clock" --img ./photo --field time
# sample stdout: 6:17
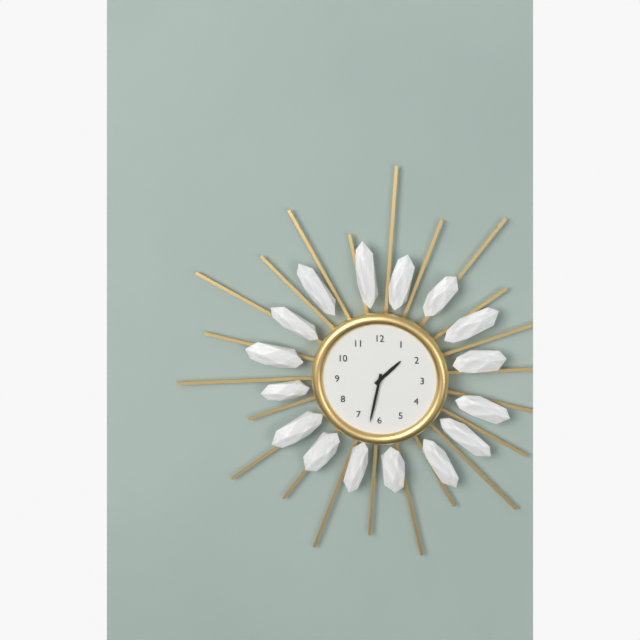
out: 1:32
